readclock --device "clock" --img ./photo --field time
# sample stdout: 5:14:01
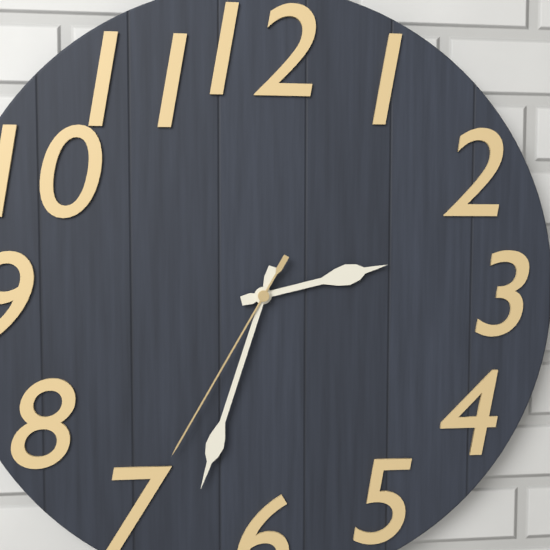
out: 2:33:35
